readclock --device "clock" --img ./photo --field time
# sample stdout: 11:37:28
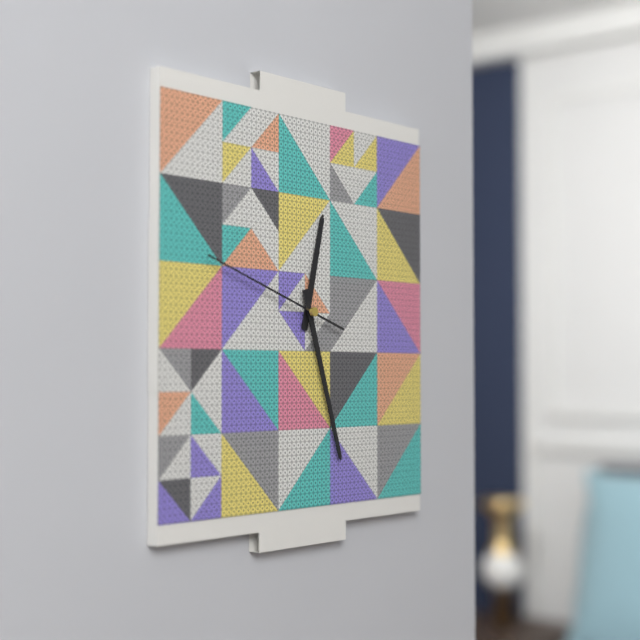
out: 12:27:48
